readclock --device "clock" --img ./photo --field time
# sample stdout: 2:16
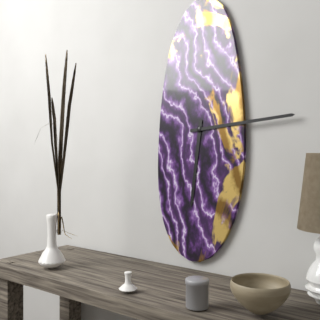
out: 6:14
